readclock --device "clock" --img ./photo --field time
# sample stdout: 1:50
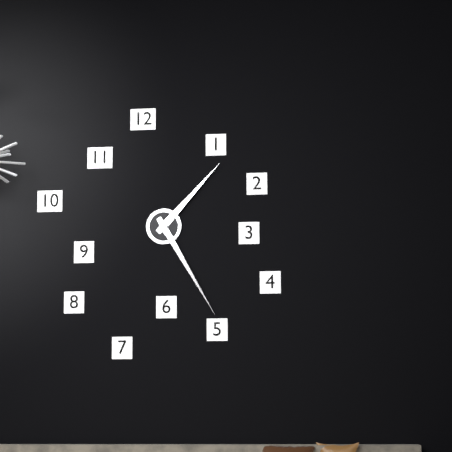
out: 1:25
